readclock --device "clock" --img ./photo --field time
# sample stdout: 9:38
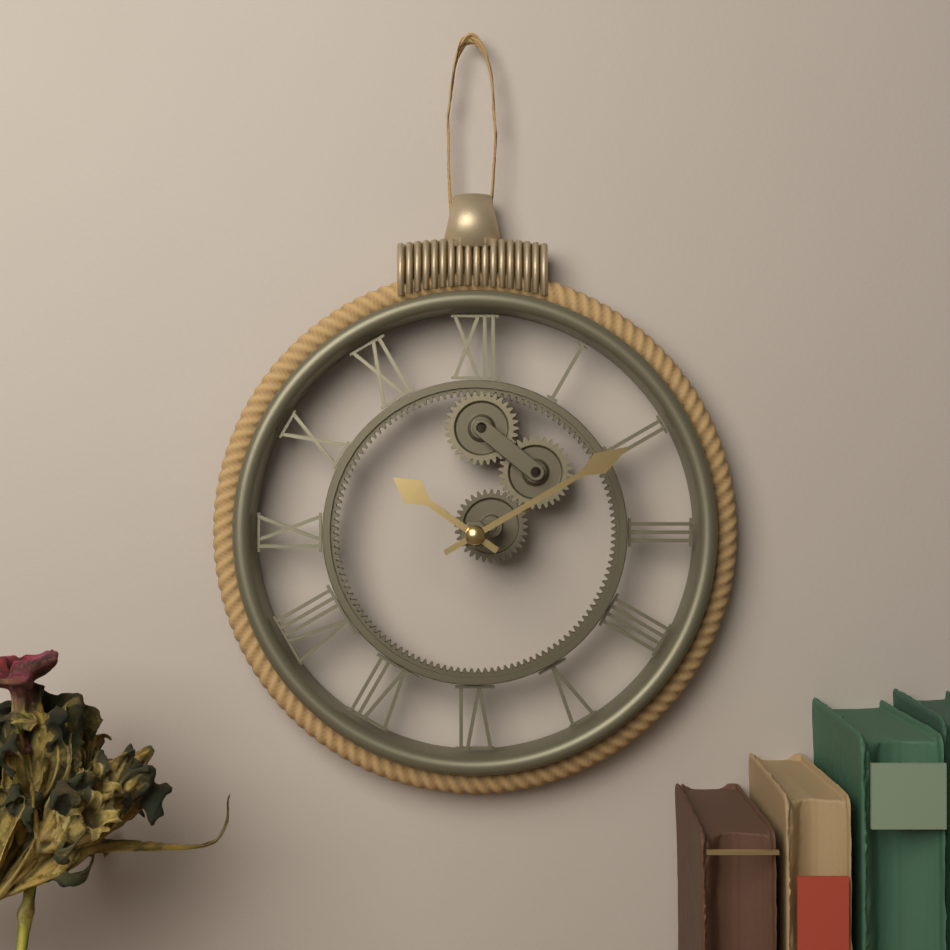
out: 10:10
